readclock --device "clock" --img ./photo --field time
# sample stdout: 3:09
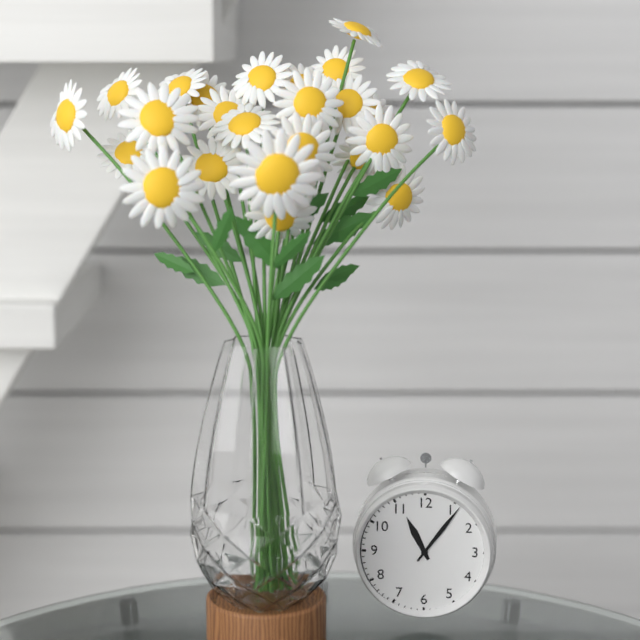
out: 11:06
